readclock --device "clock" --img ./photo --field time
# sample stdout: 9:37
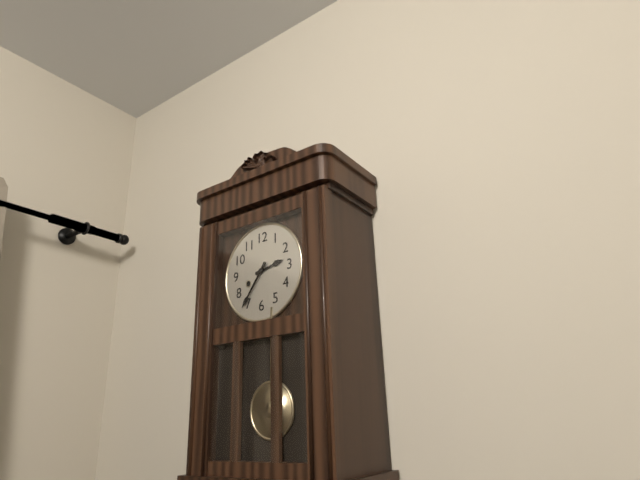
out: 2:36
